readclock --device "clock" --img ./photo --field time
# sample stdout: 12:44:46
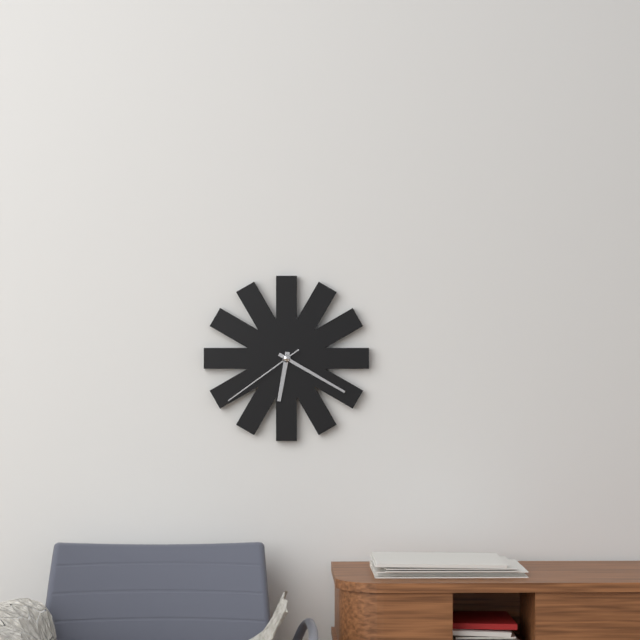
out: 6:20:39
